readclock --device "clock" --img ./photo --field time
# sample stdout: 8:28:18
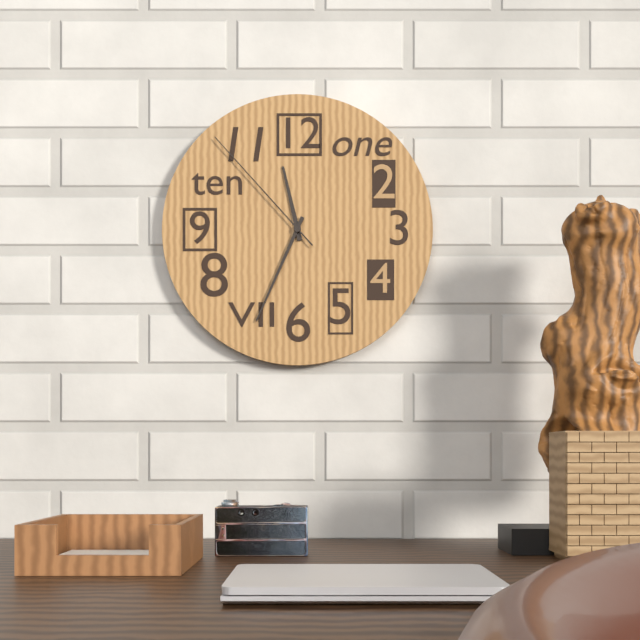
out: 11:34:53
